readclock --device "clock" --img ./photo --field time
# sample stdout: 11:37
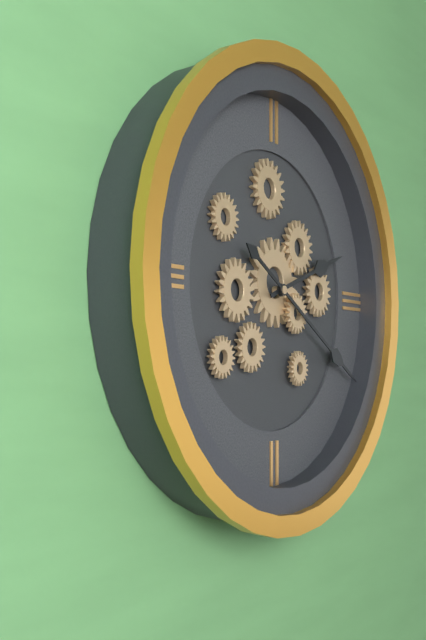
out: 2:20
